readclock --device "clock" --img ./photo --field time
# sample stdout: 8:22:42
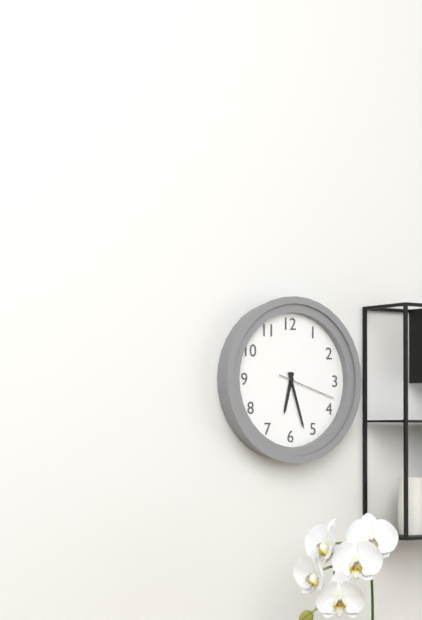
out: 6:27:18
